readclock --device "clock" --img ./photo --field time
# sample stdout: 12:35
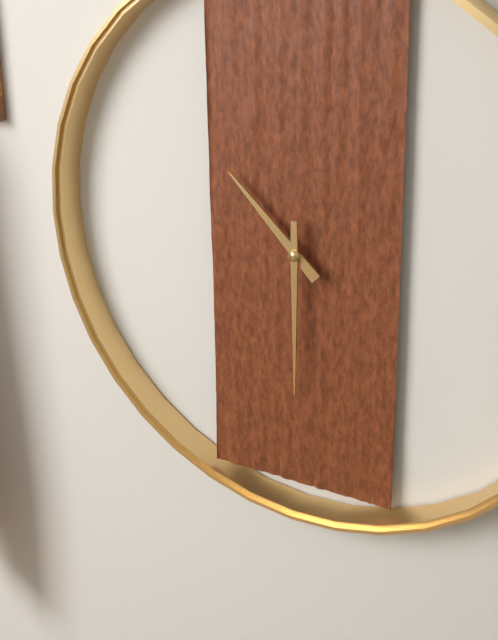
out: 10:30
